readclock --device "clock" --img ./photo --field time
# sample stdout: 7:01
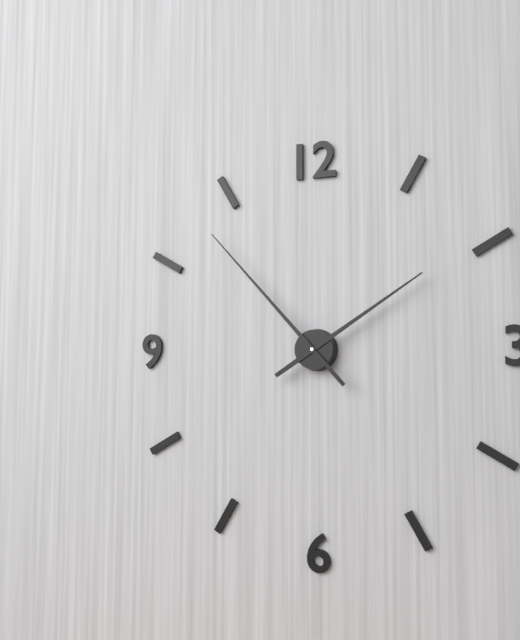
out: 1:53
